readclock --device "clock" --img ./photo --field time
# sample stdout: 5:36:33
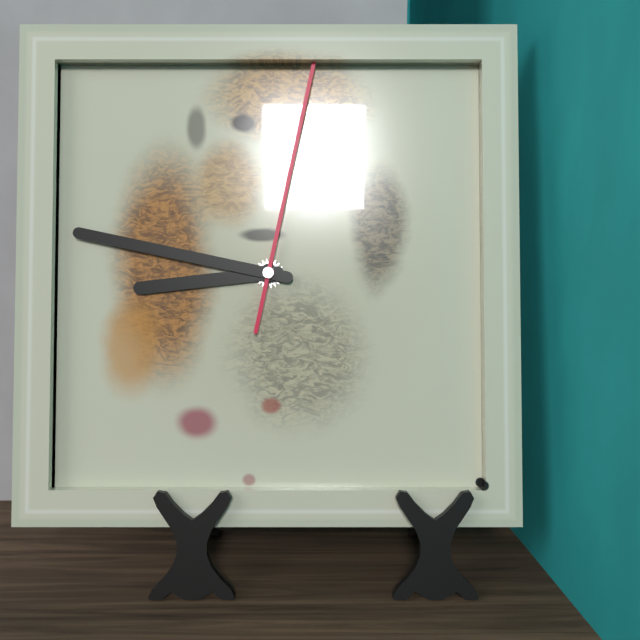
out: 8:47:02
